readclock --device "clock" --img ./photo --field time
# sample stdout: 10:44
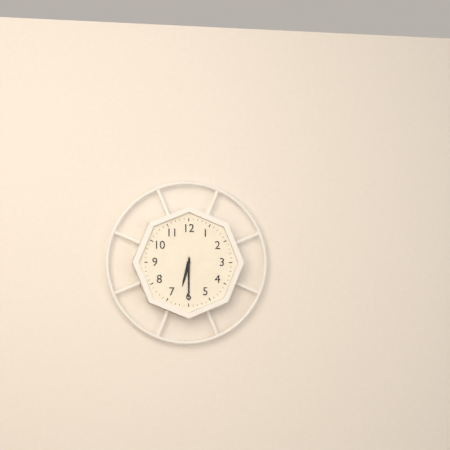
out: 6:30
